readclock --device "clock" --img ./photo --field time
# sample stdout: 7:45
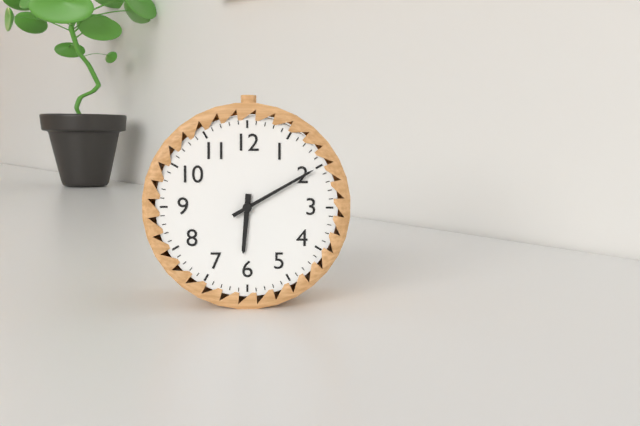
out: 6:10
